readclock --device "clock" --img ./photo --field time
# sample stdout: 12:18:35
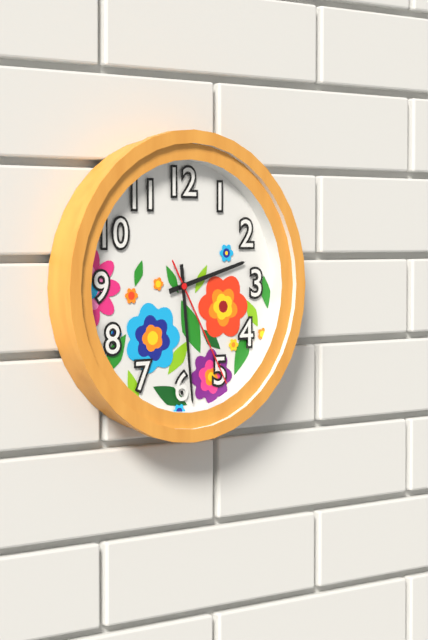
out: 2:29:25
